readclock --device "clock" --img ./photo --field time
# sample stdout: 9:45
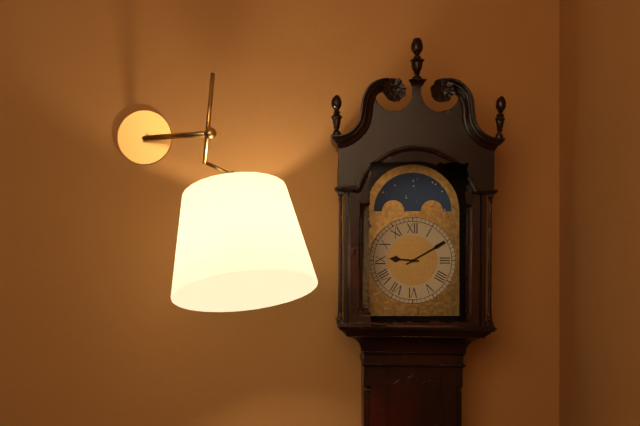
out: 9:10
